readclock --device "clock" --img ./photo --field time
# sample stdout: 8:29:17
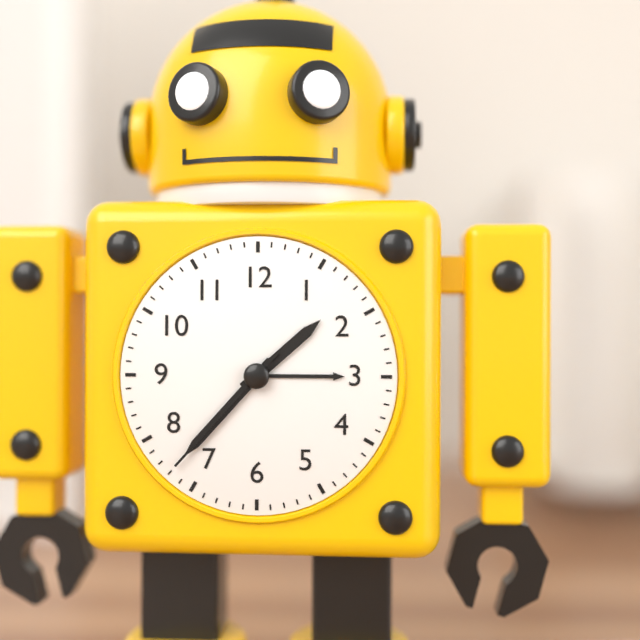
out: 1:37:37
